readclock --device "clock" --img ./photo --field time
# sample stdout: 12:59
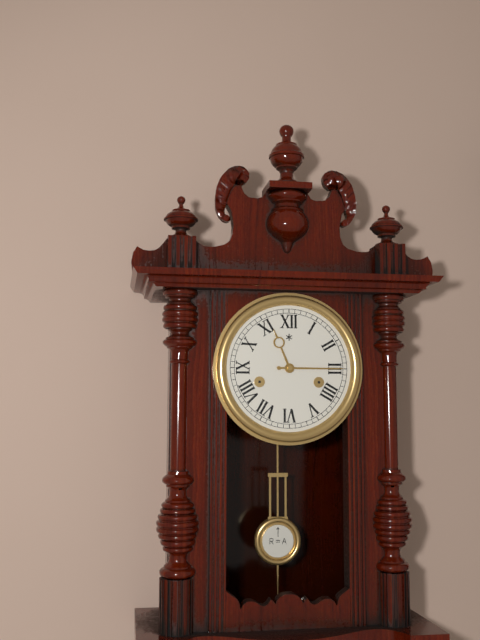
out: 11:15
